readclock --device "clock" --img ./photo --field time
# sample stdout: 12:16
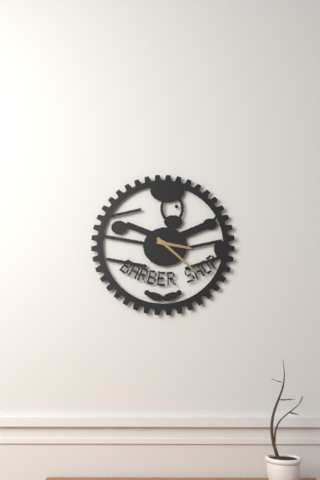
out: 3:22
